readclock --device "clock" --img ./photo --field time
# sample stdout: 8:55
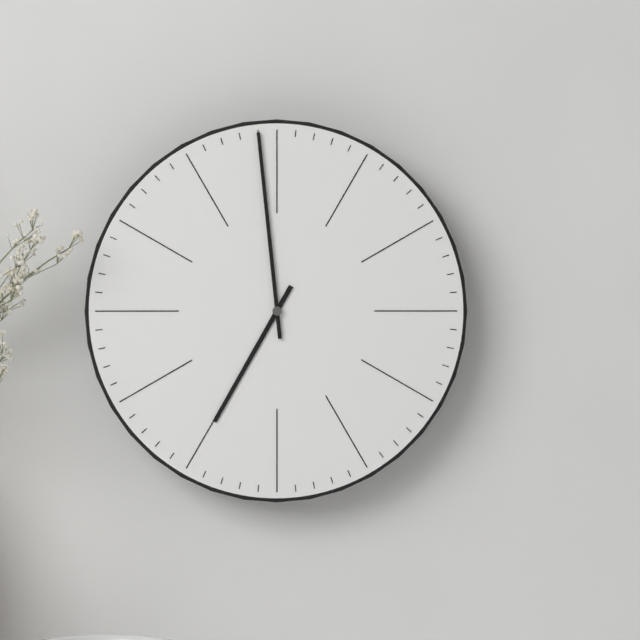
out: 6:59
